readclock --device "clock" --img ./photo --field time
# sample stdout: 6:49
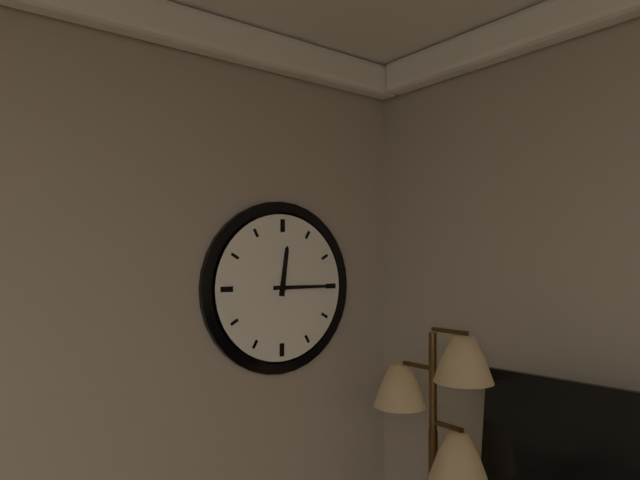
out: 12:15
